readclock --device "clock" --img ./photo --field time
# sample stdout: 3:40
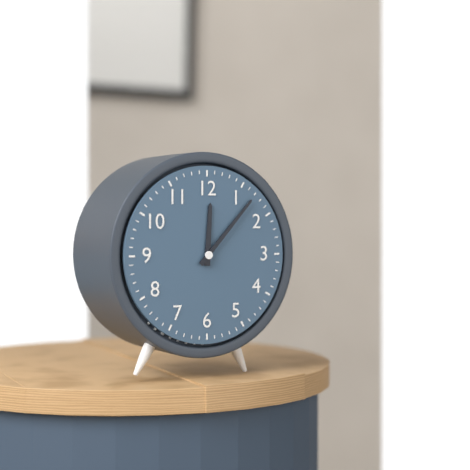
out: 12:07
